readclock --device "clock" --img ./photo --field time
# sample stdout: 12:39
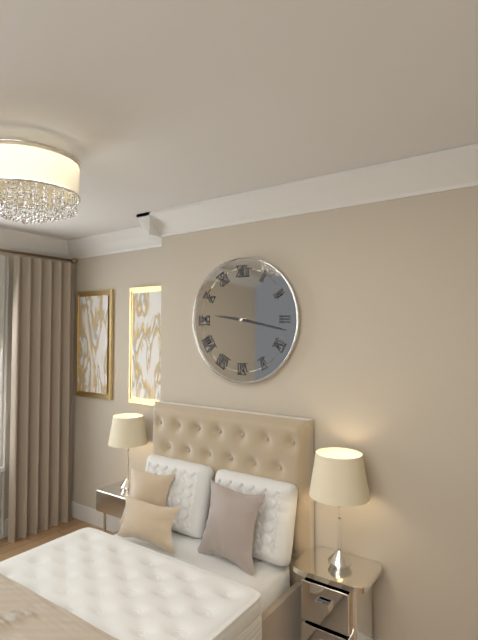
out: 9:17
